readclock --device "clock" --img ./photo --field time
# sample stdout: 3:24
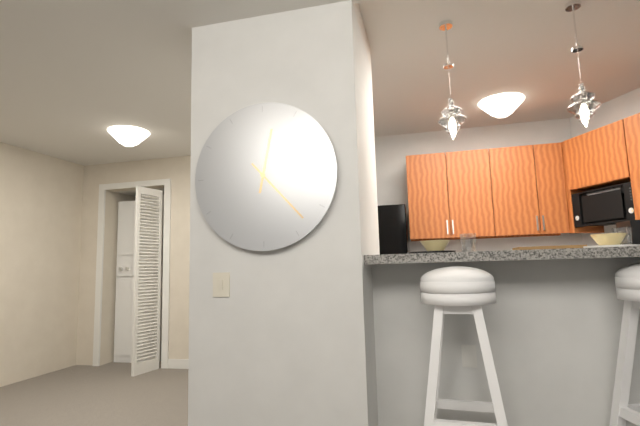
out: 12:23
